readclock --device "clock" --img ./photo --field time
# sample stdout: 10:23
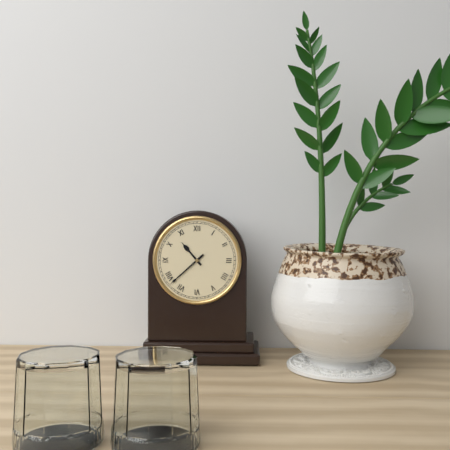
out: 10:38
